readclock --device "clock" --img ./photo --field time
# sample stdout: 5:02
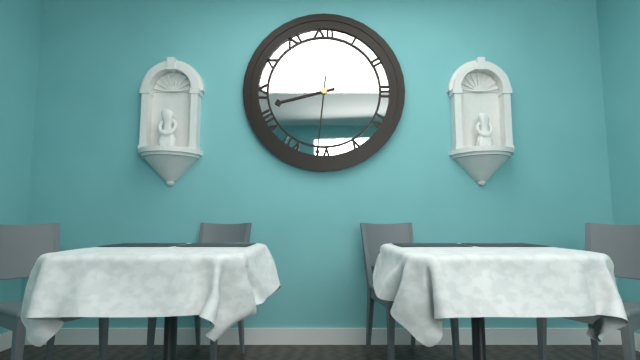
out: 8:31
